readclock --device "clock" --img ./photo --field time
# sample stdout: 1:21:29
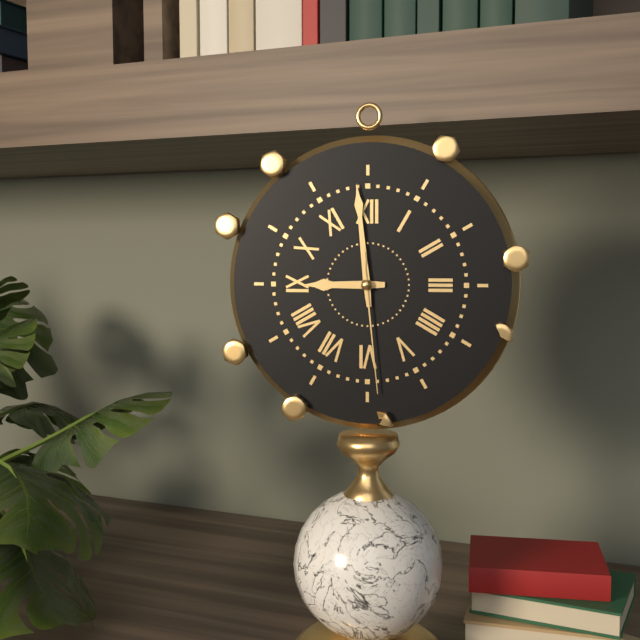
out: 8:59:29
